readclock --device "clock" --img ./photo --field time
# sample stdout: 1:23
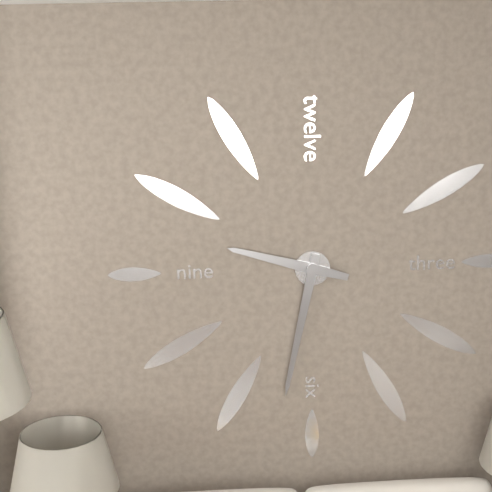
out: 9:32
